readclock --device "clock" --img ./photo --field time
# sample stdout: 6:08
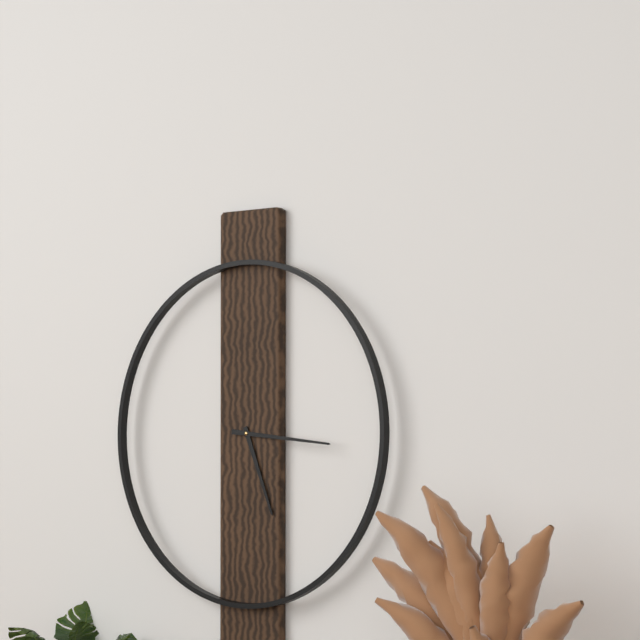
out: 5:16
